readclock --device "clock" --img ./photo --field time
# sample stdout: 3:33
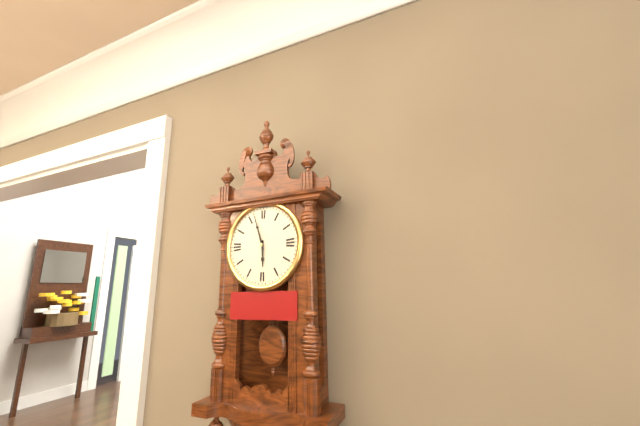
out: 5:57
